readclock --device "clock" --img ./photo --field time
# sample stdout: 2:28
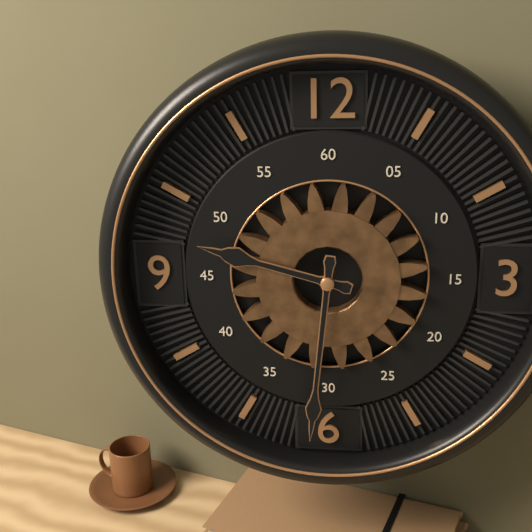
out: 9:31
